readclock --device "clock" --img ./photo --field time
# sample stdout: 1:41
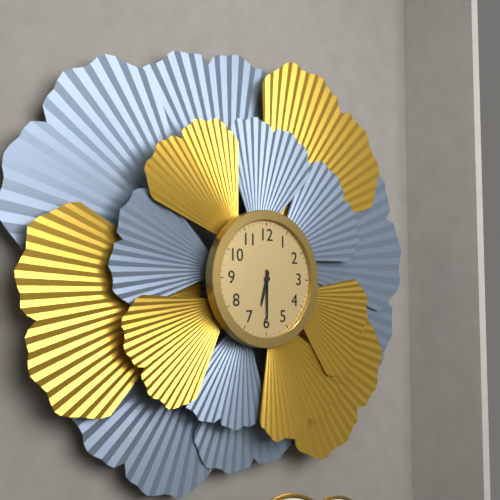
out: 6:30
